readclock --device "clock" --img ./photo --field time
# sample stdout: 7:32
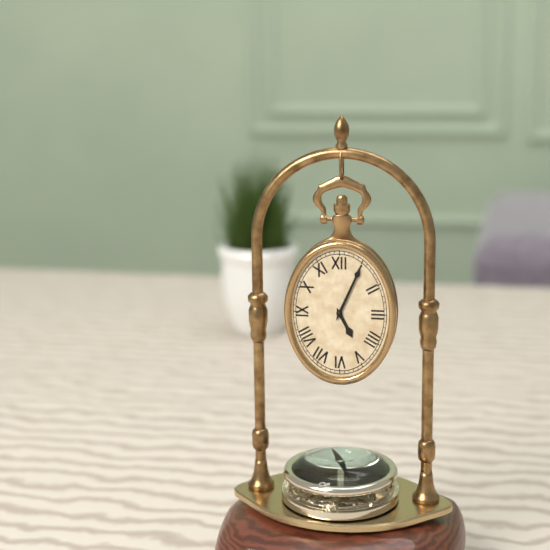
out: 5:04
